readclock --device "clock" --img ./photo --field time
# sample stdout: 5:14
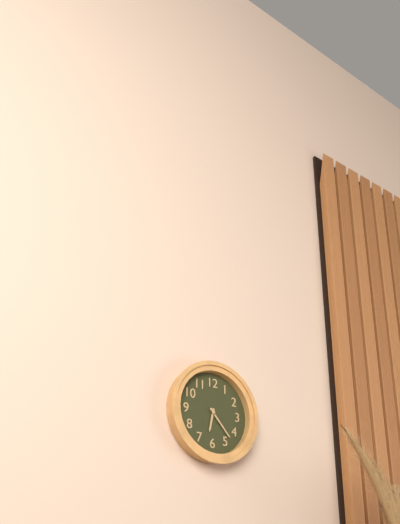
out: 6:23
